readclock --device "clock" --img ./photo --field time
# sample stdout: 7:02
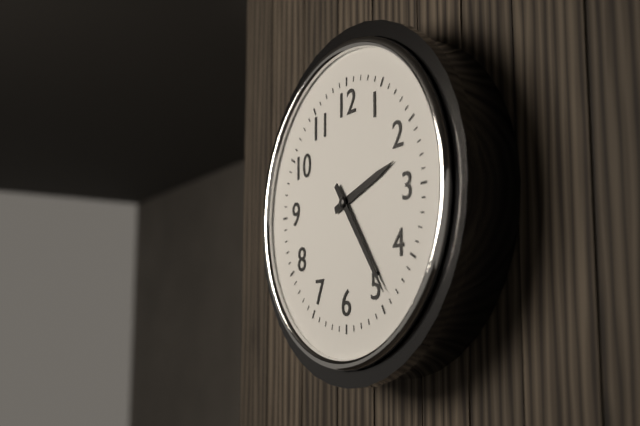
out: 2:24
